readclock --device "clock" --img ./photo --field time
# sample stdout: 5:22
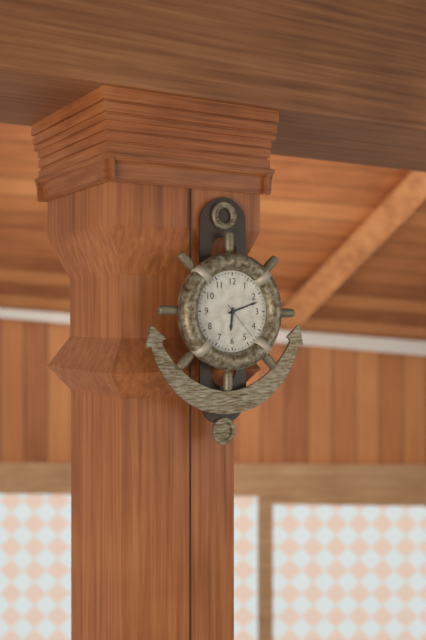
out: 6:12
